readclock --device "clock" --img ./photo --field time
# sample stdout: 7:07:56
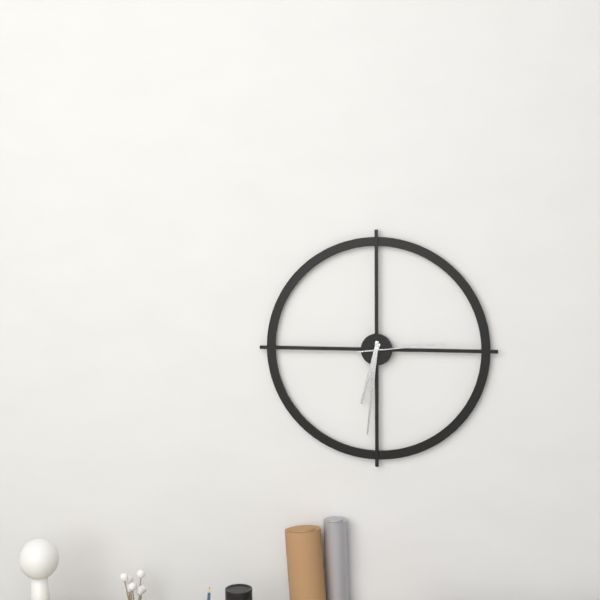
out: 6:31:14
